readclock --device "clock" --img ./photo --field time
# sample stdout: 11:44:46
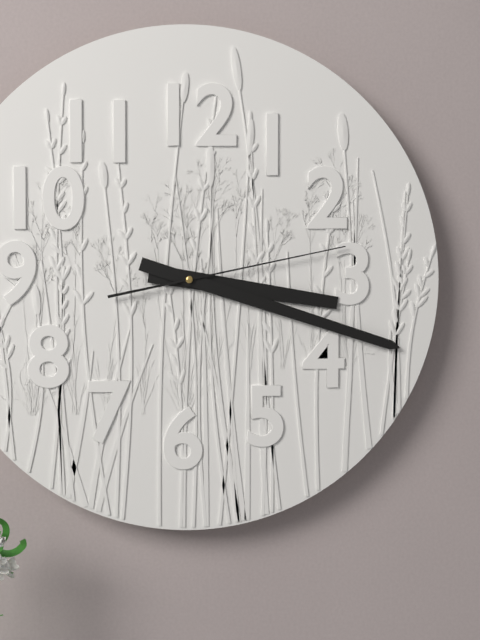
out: 3:18:13
